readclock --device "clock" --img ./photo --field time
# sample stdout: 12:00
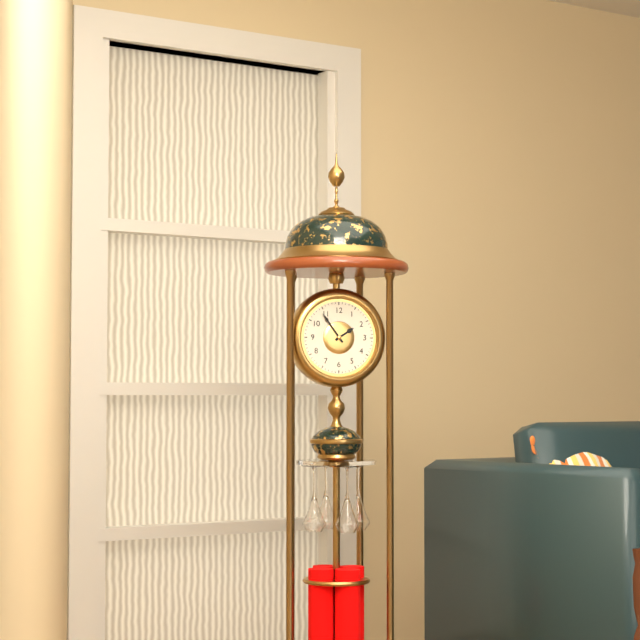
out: 1:54
